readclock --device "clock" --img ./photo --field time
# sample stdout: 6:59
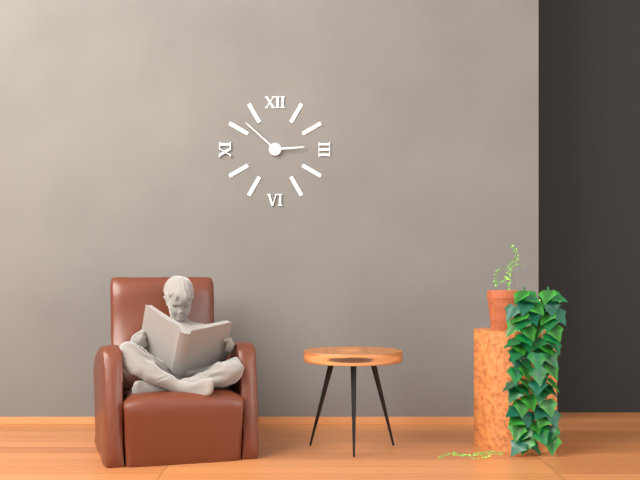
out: 2:52
